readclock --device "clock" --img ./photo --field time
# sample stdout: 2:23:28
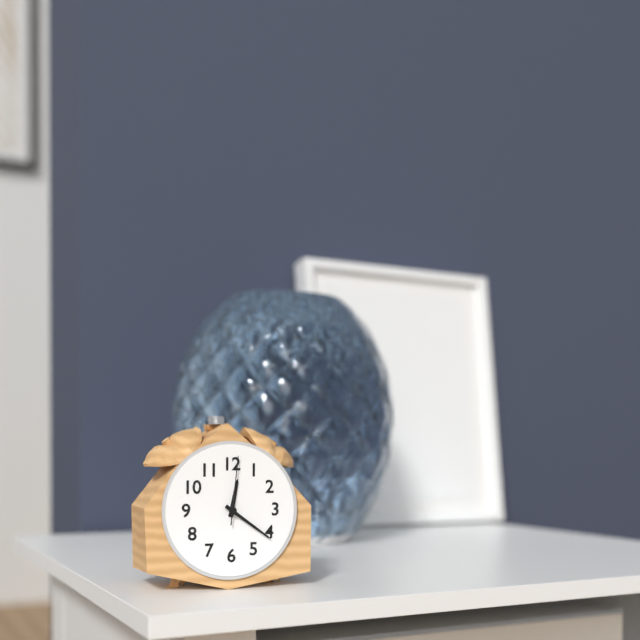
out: 12:21:01
